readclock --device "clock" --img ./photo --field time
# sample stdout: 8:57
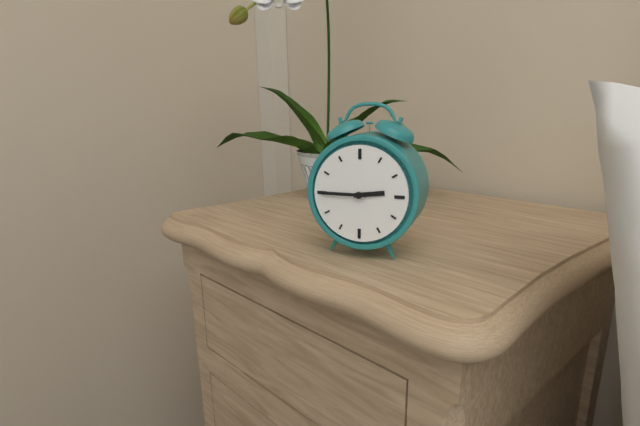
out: 2:45
